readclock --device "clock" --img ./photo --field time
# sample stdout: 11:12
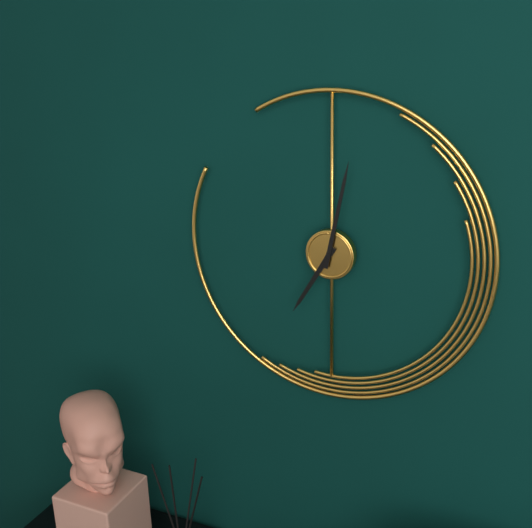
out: 7:02
